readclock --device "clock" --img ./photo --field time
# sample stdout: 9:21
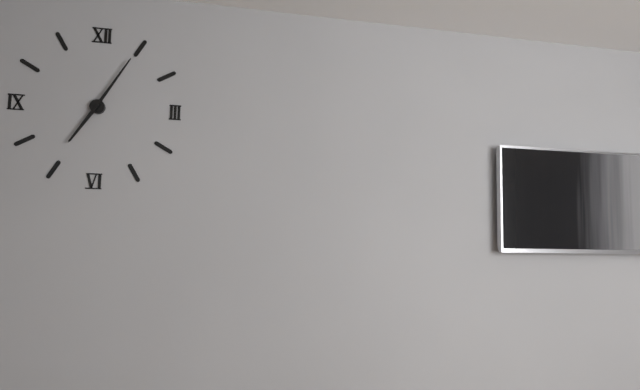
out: 7:05
